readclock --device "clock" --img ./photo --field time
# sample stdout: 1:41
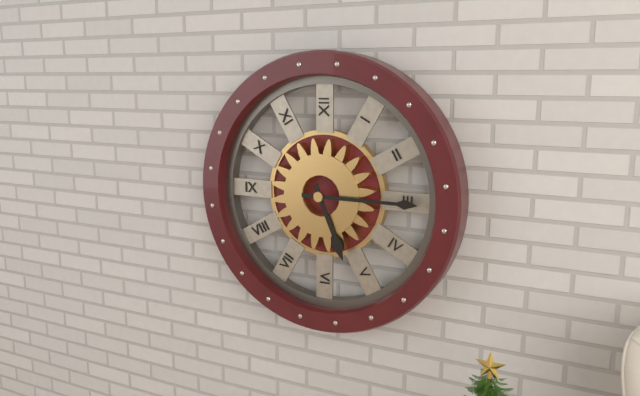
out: 5:15
